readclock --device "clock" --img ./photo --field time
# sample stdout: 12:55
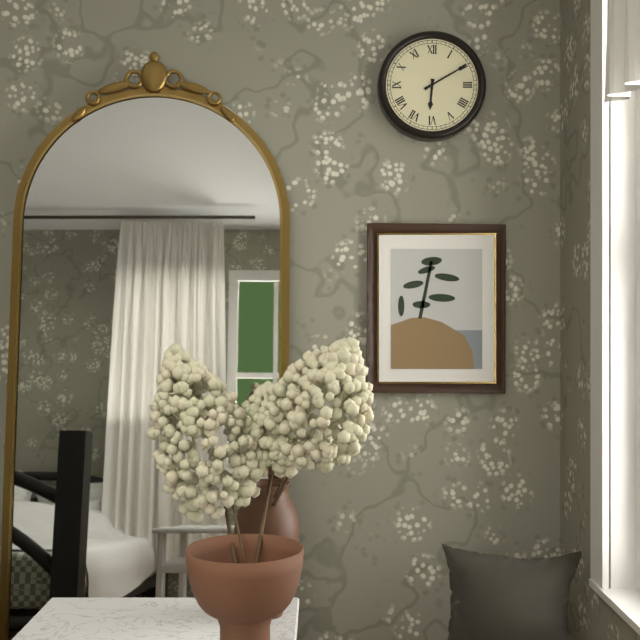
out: 6:10
